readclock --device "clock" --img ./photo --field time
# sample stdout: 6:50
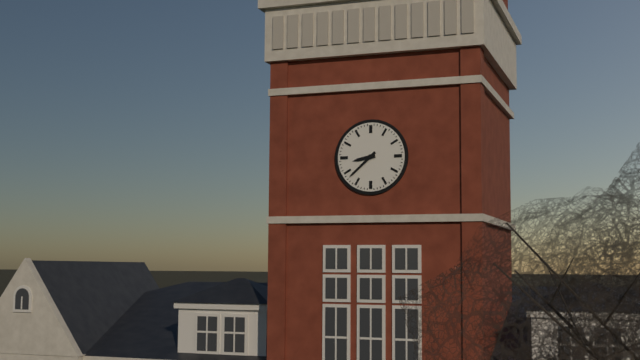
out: 8:38
